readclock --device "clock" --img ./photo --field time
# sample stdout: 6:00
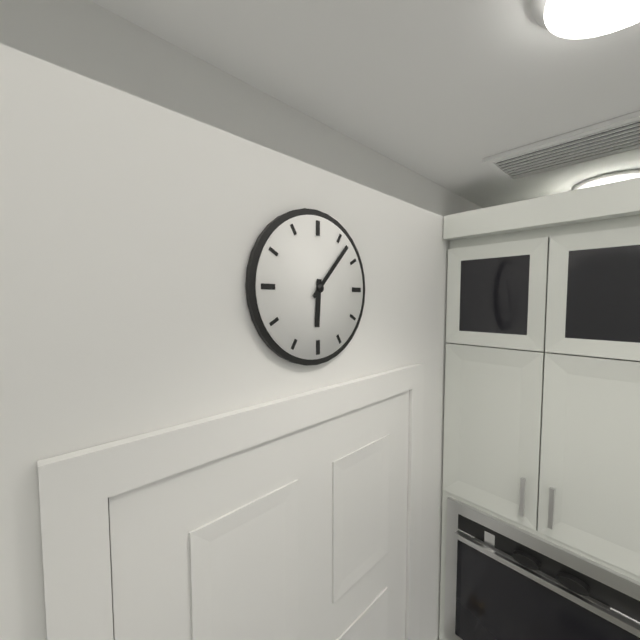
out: 6:07
